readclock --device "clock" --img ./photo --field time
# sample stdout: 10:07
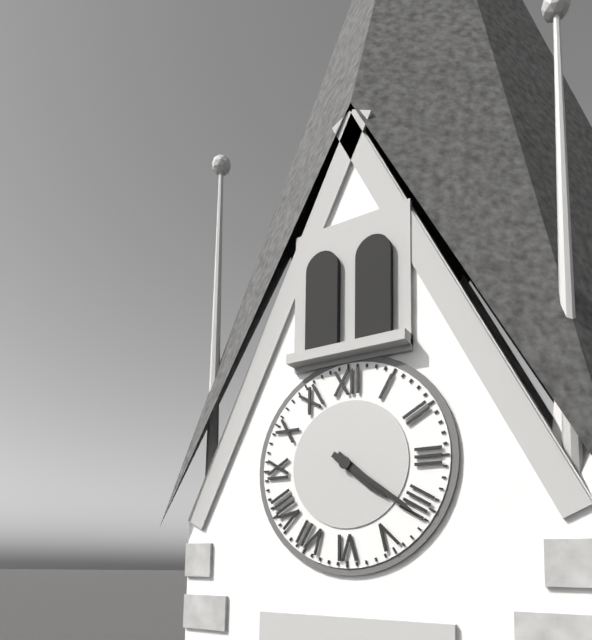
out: 4:21
